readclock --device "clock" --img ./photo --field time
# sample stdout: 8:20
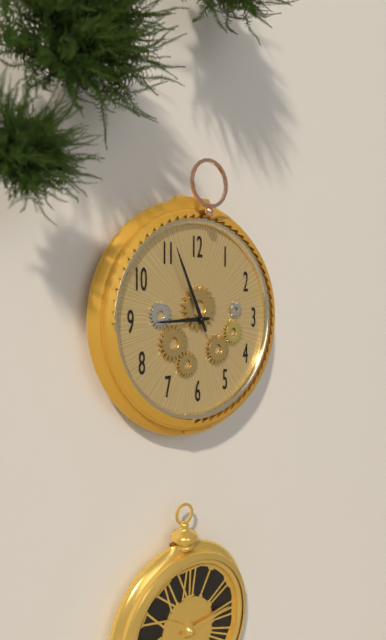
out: 8:56
